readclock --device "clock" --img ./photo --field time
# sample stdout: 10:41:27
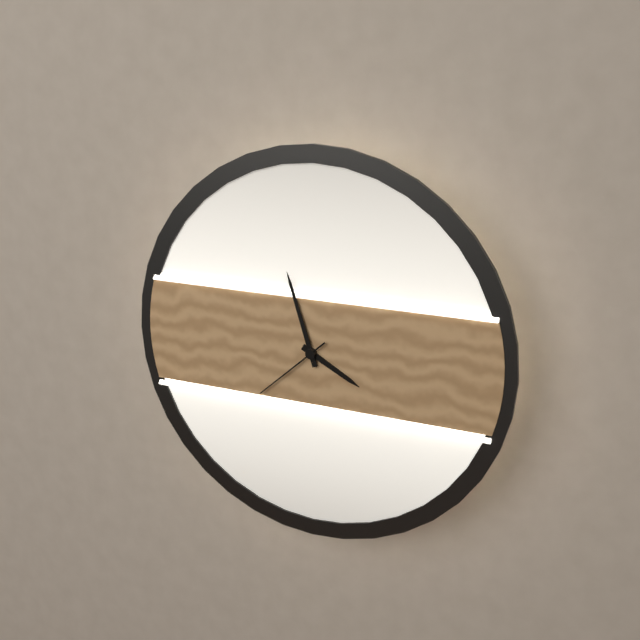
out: 3:57:38
